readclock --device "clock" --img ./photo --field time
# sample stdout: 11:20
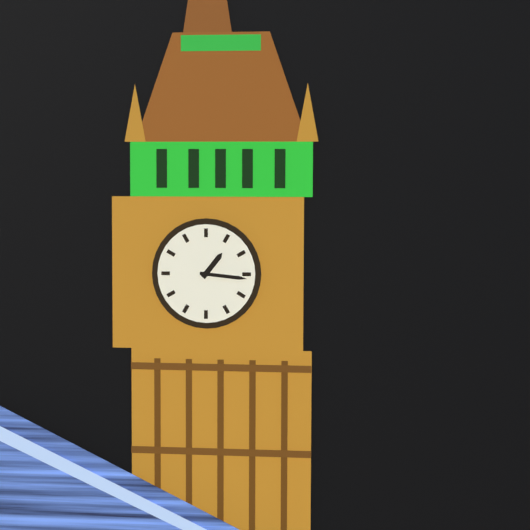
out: 1:16
